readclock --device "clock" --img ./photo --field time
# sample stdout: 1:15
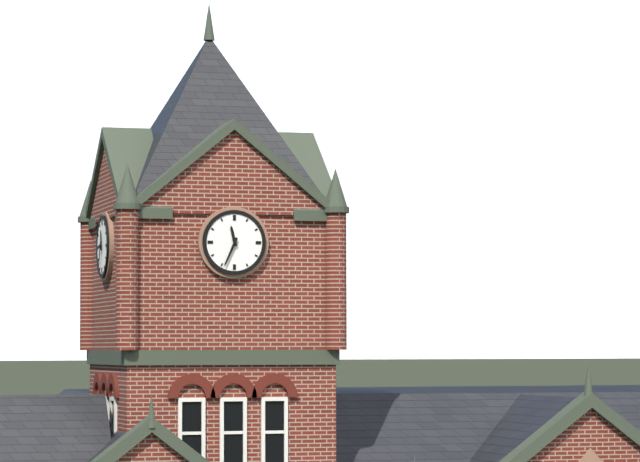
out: 11:34
